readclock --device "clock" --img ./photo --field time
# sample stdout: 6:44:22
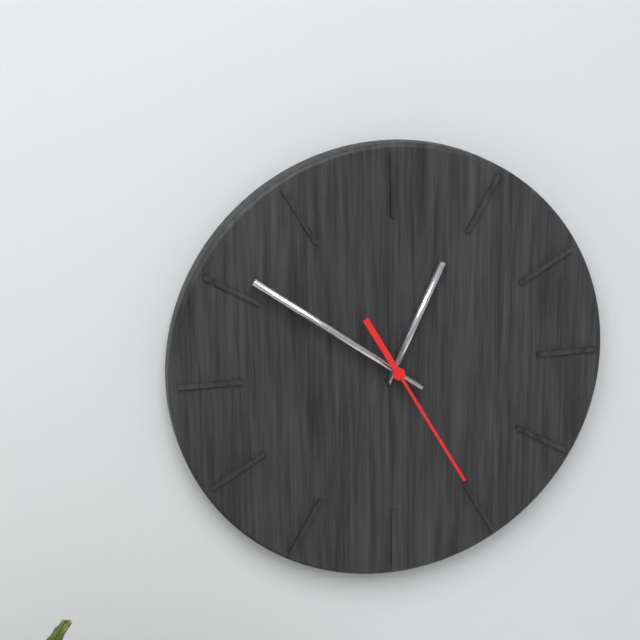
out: 12:51:25
